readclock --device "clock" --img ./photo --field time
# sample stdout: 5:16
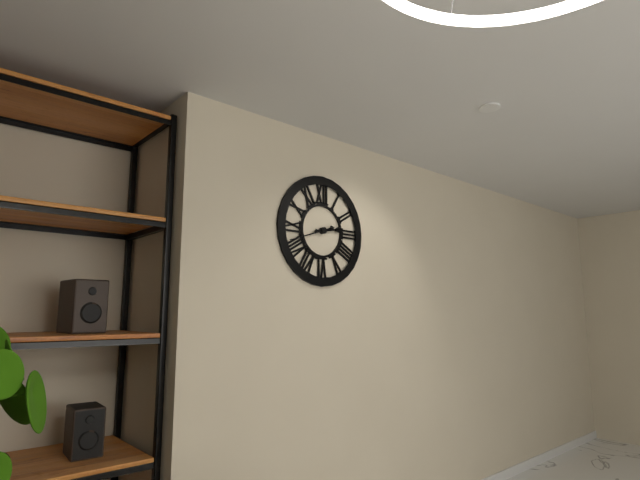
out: 2:42
